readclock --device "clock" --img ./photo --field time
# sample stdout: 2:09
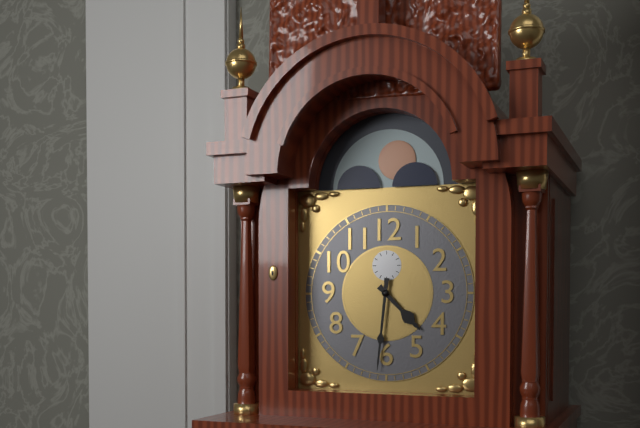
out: 4:31
